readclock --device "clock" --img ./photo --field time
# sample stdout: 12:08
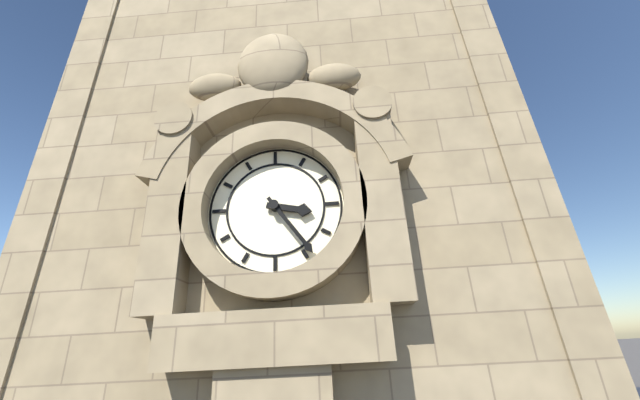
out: 3:24
